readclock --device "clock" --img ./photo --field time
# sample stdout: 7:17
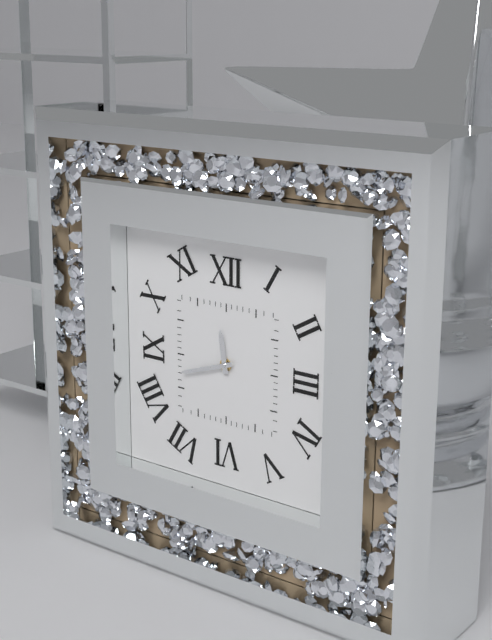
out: 11:42
